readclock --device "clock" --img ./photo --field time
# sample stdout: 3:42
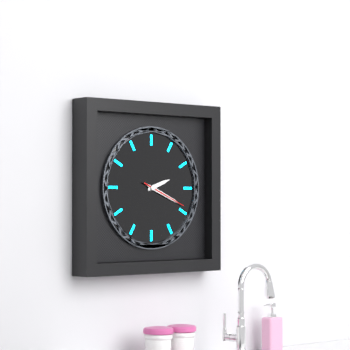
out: 2:19
